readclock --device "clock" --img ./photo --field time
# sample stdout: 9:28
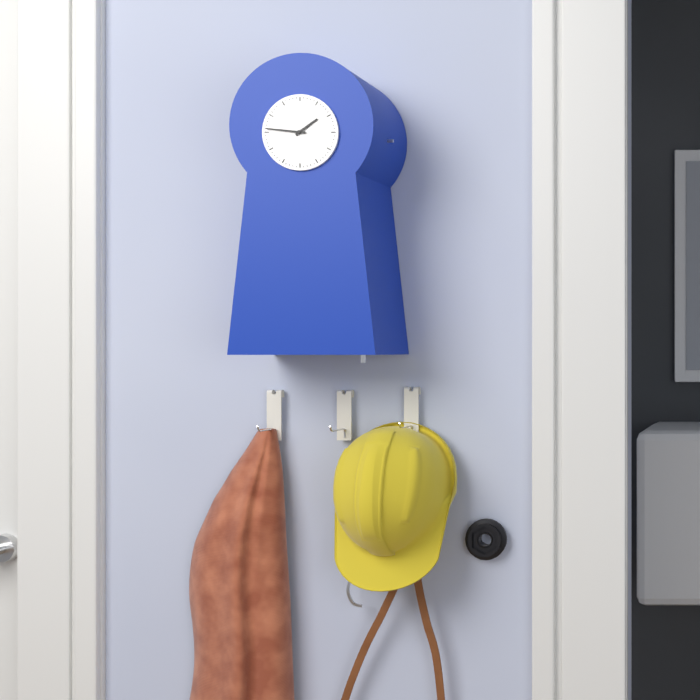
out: 1:46
